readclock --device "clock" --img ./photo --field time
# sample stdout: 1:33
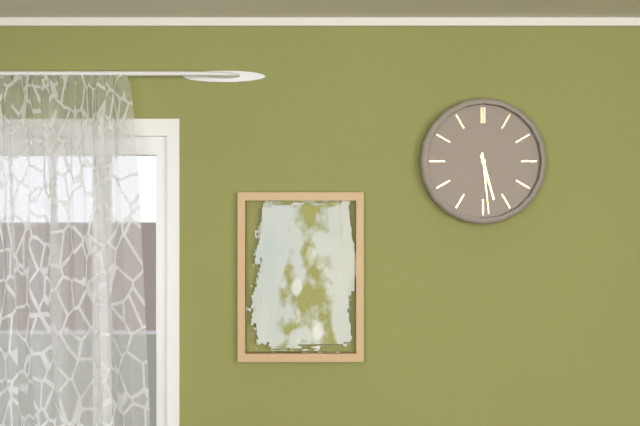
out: 5:29
